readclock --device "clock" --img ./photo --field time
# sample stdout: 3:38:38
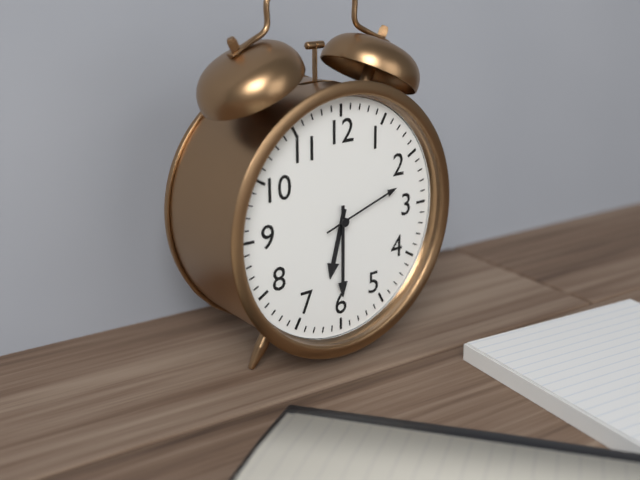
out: 6:30:12
